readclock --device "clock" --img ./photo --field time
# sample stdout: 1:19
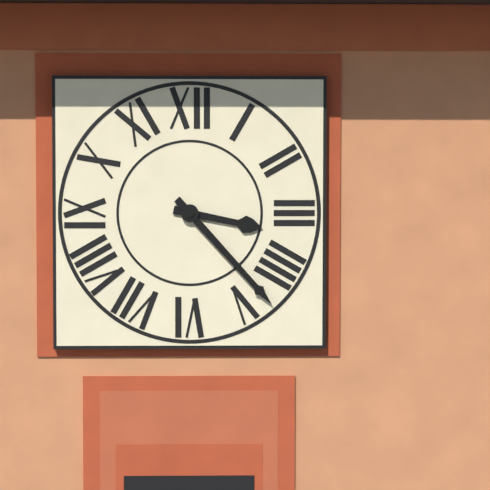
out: 3:23
